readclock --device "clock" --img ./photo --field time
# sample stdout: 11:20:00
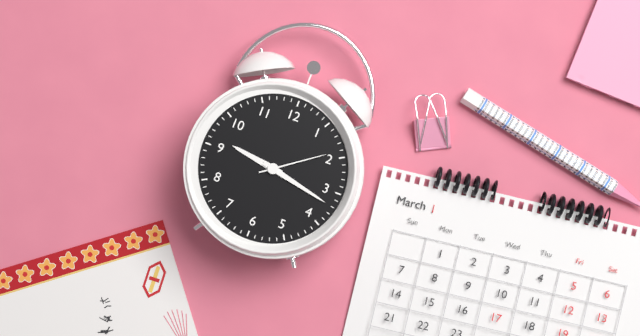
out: 9:17:09
